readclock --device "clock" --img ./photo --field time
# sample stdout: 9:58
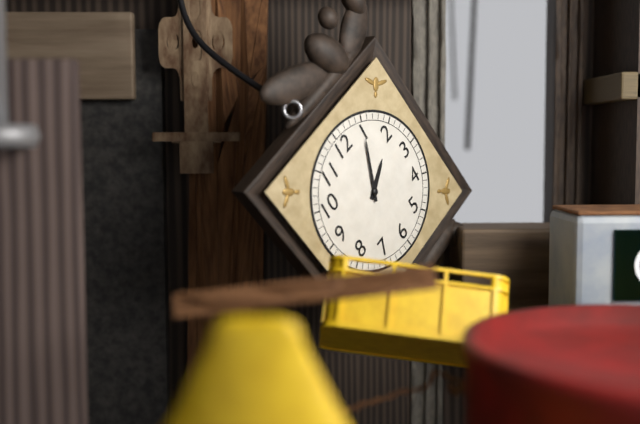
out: 2:05
